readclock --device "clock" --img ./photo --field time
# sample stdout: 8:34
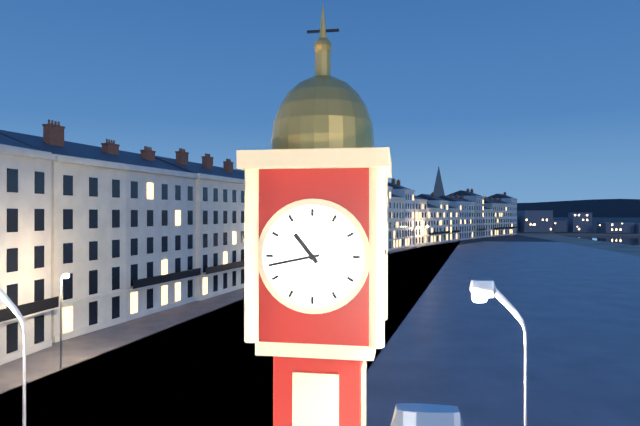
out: 10:43
